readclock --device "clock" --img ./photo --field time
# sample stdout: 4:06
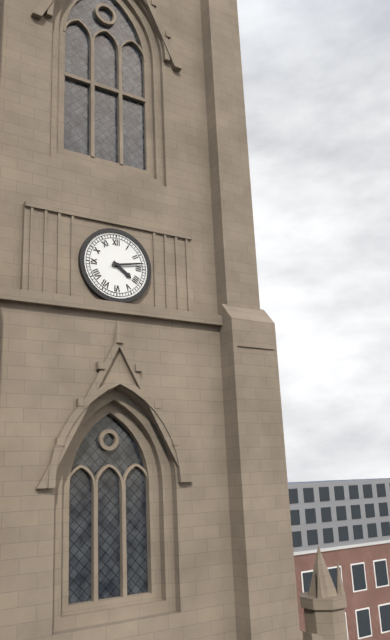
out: 4:13
